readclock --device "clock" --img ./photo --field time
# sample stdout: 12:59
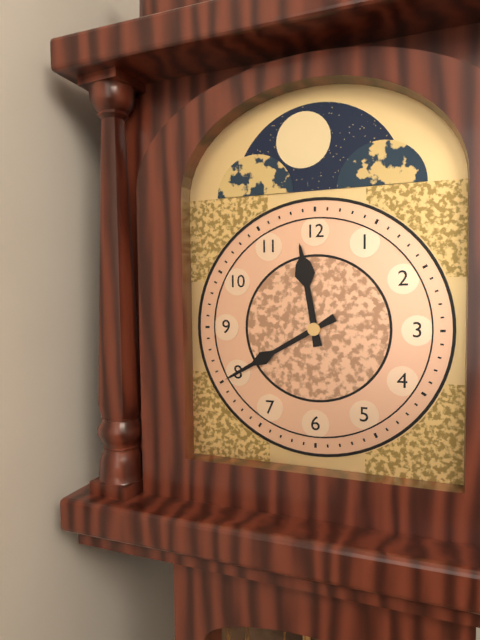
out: 11:40
